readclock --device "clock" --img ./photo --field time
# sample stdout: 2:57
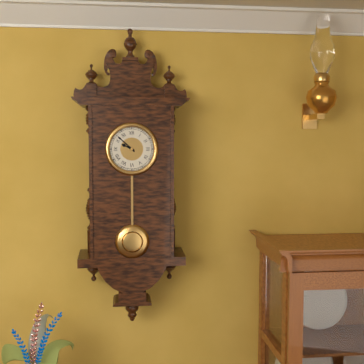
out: 9:52
